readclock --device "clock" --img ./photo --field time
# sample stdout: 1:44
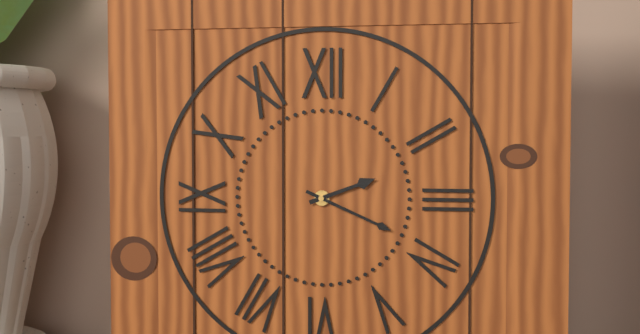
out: 2:19
